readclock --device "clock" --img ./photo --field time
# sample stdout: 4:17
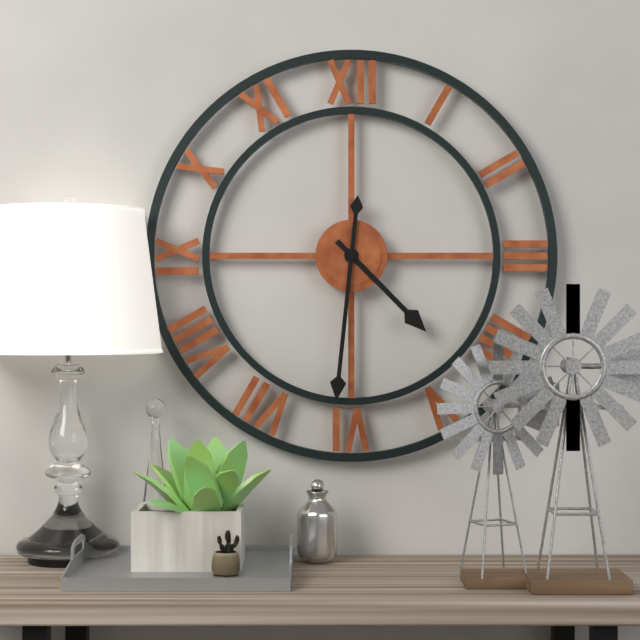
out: 4:31
